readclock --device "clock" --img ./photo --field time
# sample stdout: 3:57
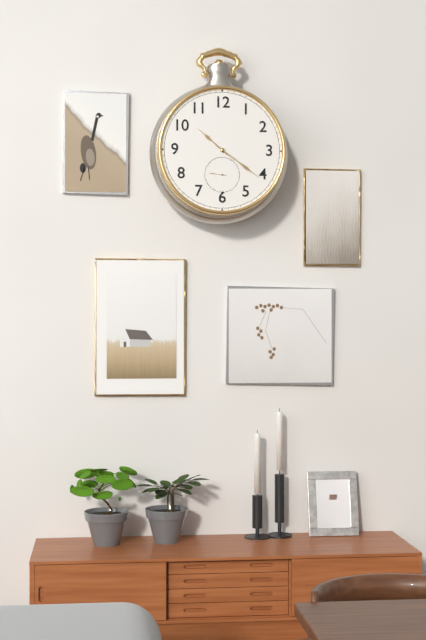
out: 10:21
